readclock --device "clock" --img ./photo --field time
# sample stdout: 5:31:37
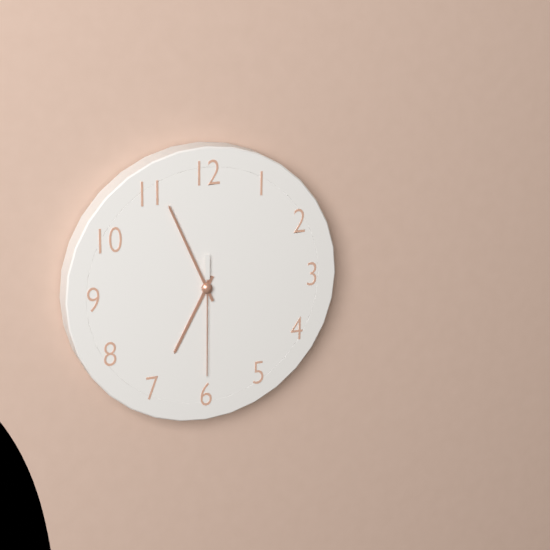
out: 6:56:30
